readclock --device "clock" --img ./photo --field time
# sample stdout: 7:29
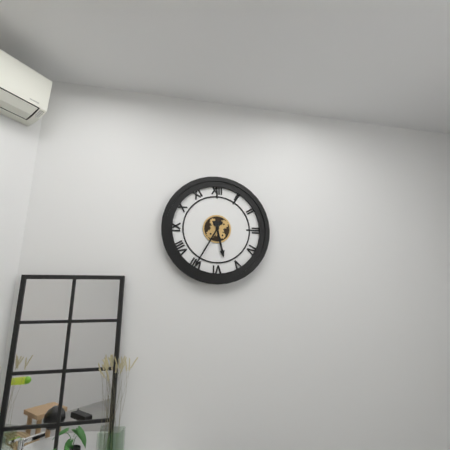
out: 5:35
